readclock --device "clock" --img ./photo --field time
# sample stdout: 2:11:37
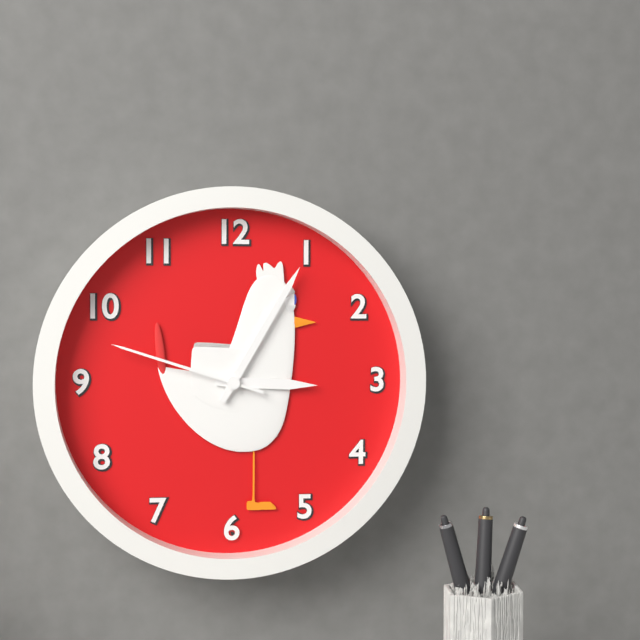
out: 3:05:48
